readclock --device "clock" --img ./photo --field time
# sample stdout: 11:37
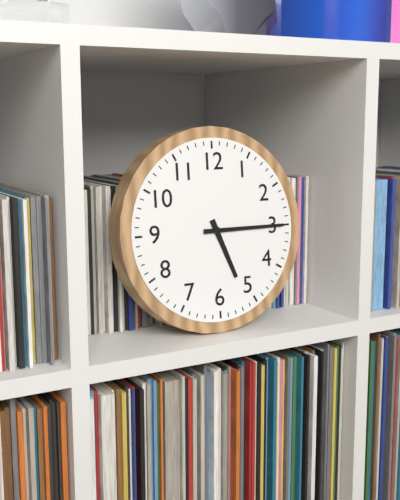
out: 5:15
